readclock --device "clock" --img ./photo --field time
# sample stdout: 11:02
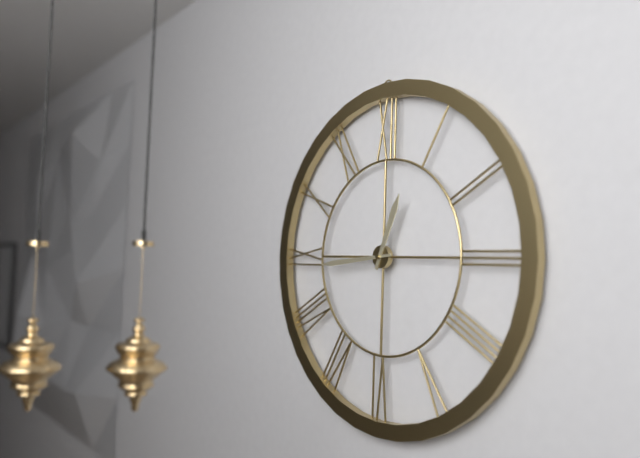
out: 12:44
